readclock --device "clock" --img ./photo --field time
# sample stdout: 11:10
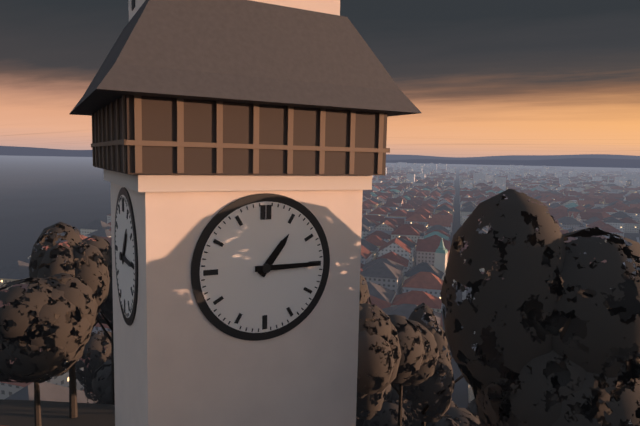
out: 1:15
